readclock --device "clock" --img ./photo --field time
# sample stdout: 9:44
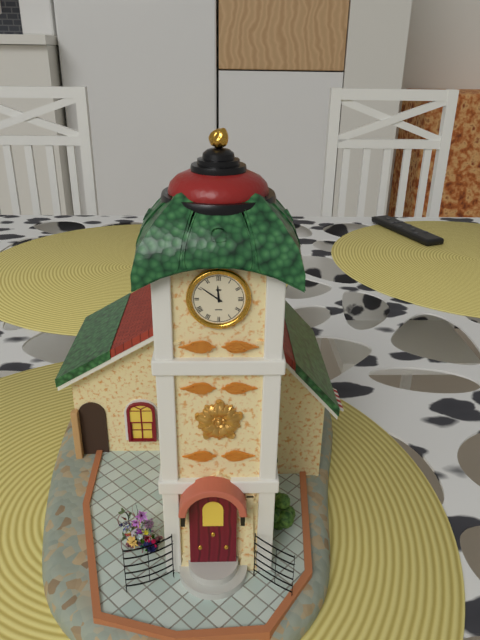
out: 11:51
